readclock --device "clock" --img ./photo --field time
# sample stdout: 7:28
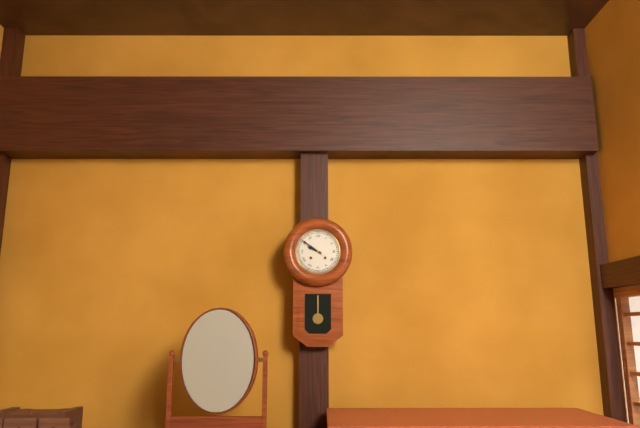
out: 9:51
